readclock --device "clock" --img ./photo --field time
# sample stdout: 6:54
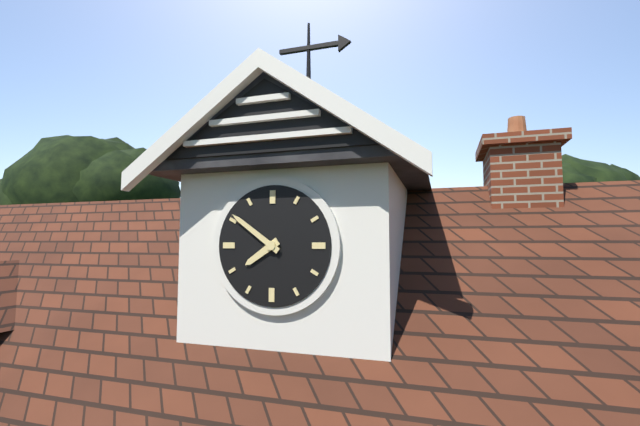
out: 7:51
